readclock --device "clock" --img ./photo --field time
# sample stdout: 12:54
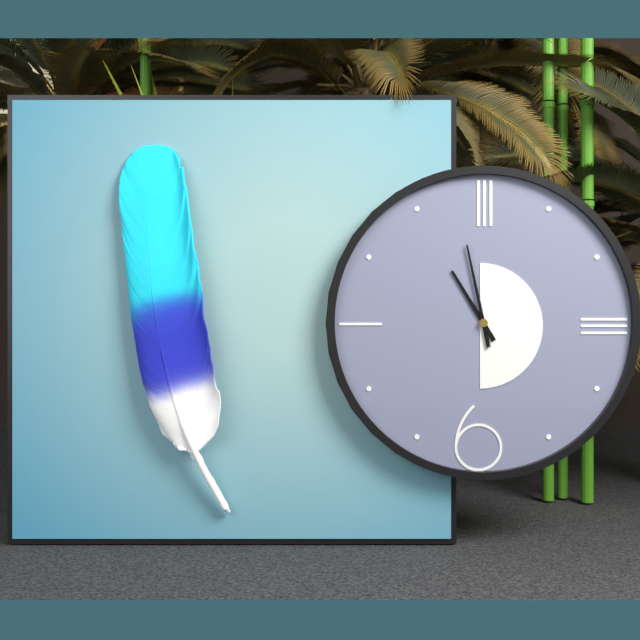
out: 10:58
